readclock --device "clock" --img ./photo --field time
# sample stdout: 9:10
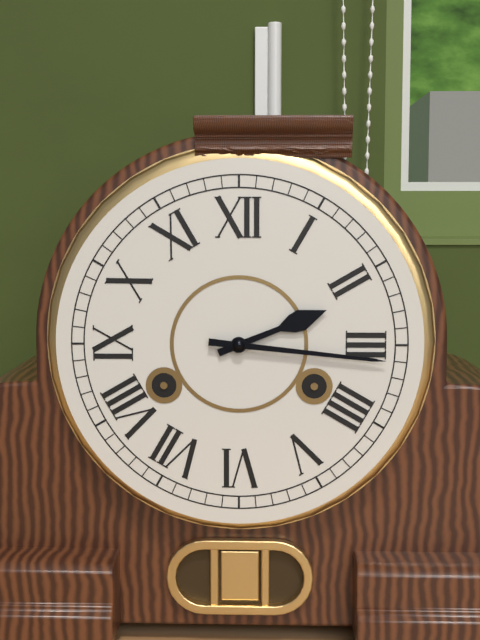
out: 2:16
